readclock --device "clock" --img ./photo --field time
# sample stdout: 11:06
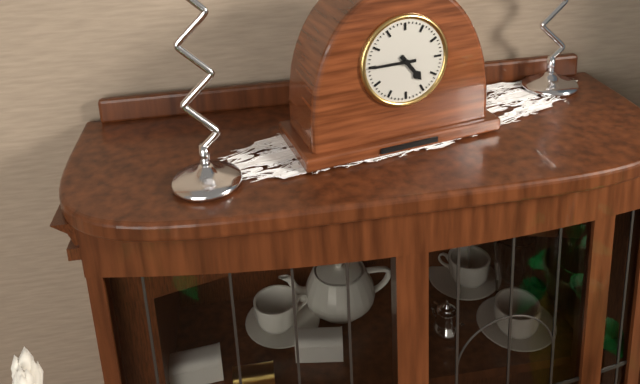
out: 4:45
